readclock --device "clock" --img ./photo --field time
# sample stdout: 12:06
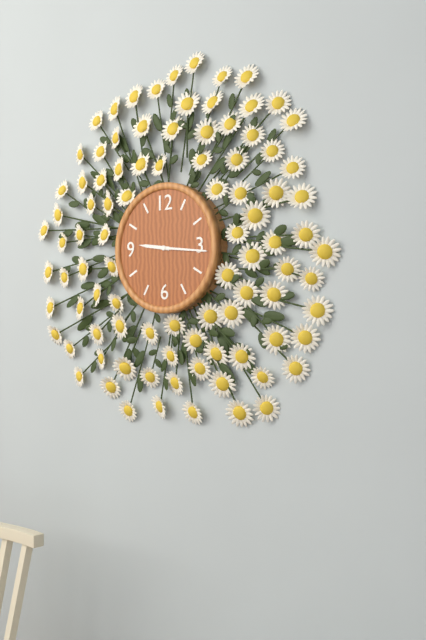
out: 9:16
